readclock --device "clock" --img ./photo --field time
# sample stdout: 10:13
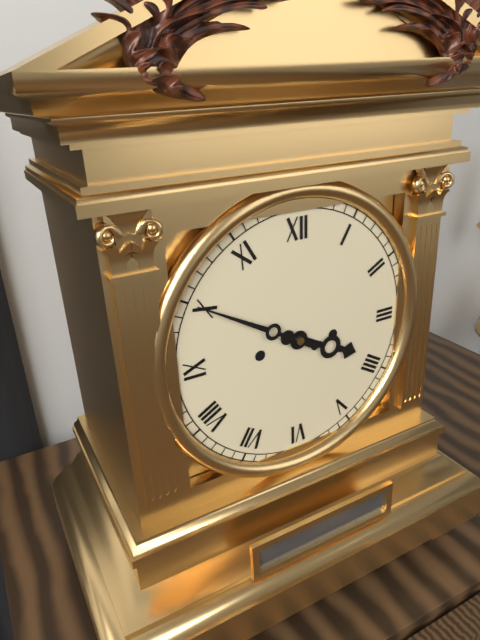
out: 3:50
